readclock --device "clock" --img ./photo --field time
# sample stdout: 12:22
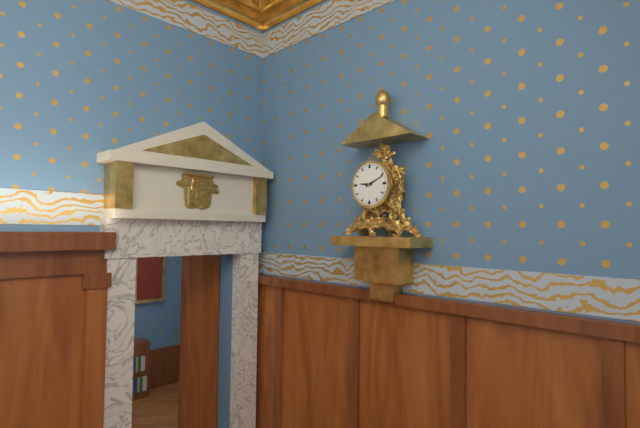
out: 9:11
